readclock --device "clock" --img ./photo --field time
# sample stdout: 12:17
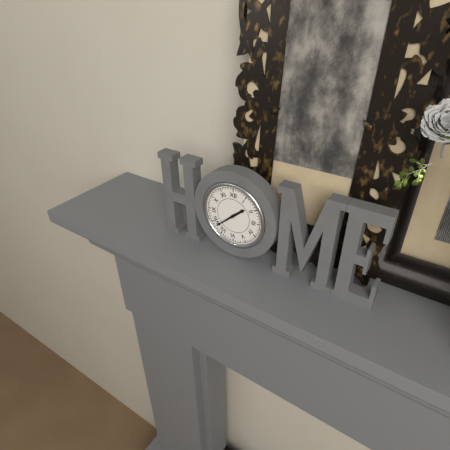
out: 1:38
